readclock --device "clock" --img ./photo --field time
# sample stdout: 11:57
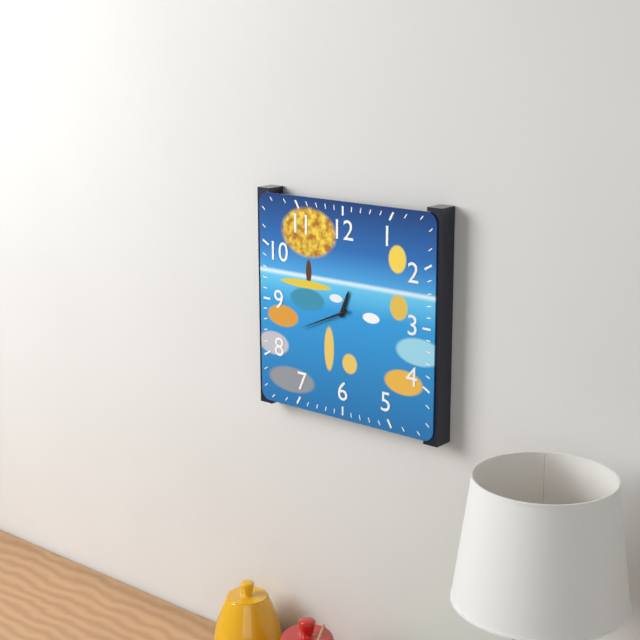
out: 12:41
